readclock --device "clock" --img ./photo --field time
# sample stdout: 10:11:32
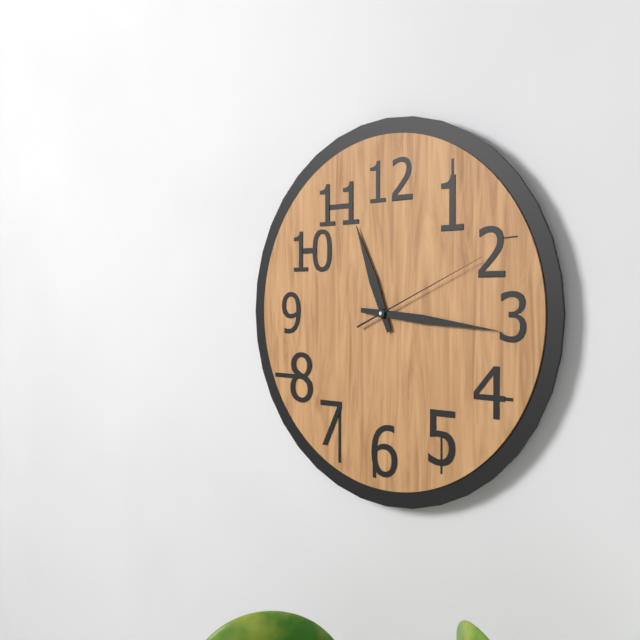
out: 11:16:11
